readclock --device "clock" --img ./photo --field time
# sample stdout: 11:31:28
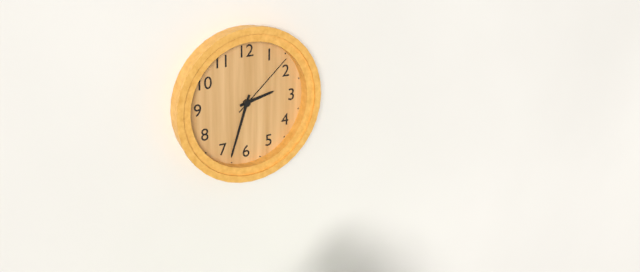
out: 2:33:08
